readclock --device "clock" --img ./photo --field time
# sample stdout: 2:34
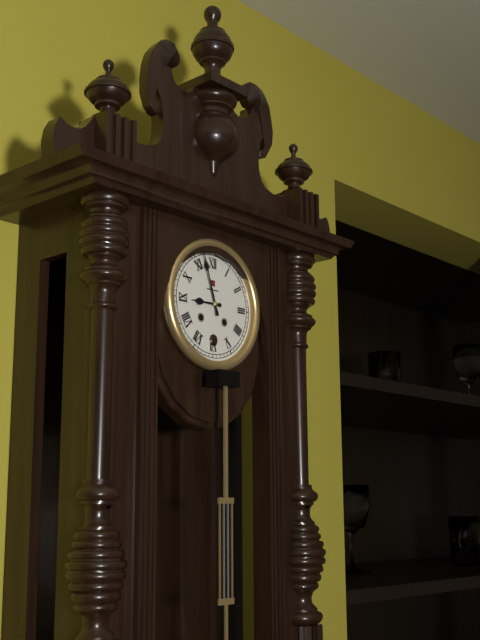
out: 8:57
